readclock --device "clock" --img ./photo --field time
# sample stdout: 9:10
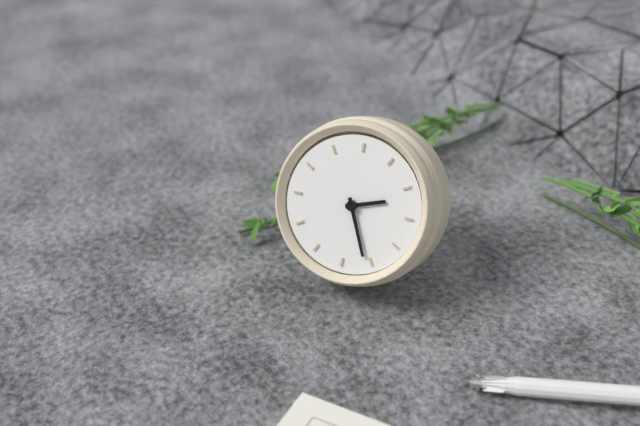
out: 1:21
